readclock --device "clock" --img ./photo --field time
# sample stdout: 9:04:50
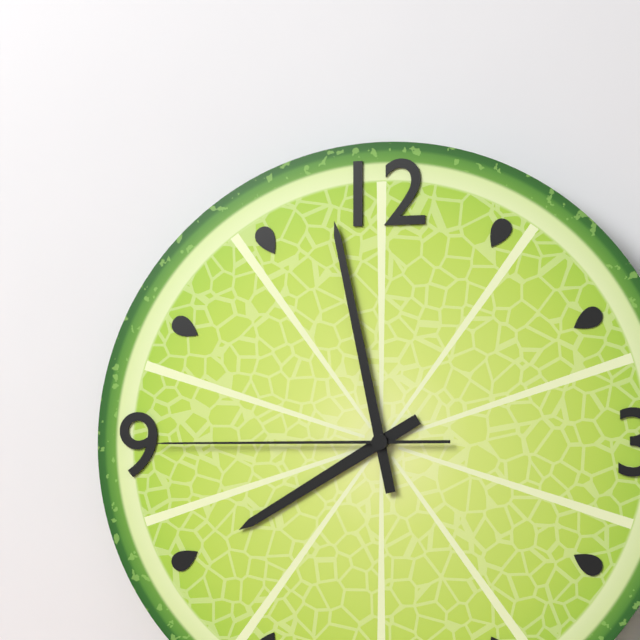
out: 7:58:45
